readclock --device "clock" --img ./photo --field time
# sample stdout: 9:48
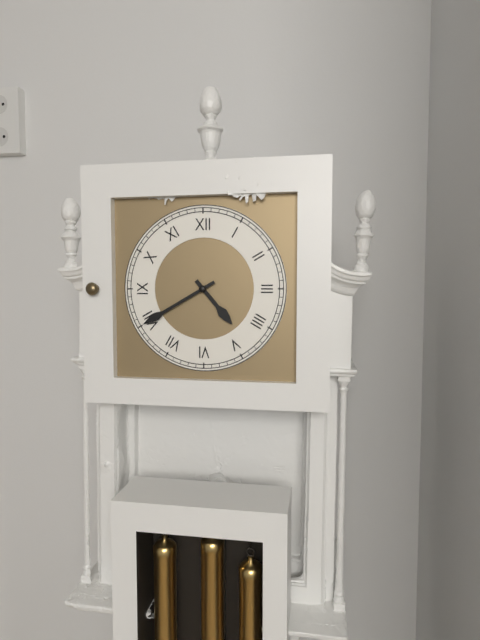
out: 4:40
